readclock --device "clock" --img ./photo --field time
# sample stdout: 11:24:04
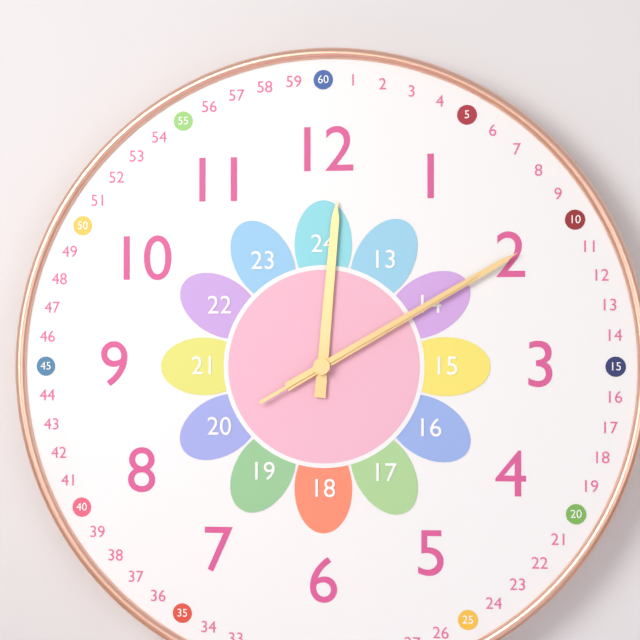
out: 12:10:10
